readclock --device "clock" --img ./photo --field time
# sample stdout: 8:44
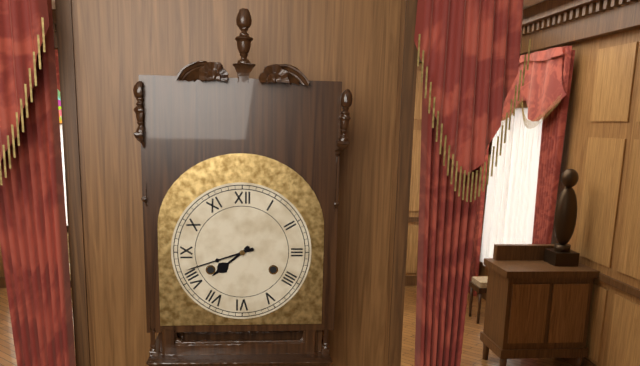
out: 7:42
